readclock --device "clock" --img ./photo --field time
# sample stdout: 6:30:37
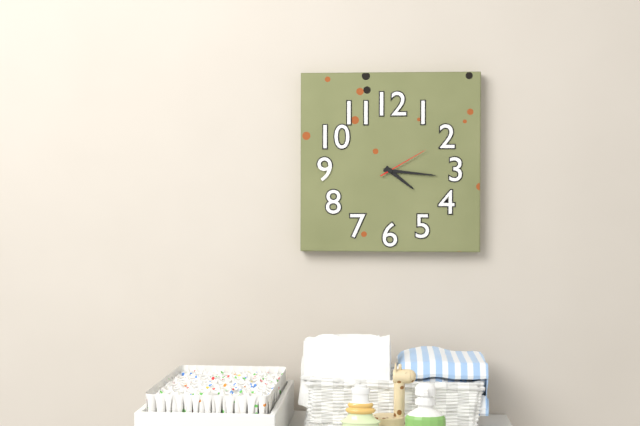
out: 4:16:10
